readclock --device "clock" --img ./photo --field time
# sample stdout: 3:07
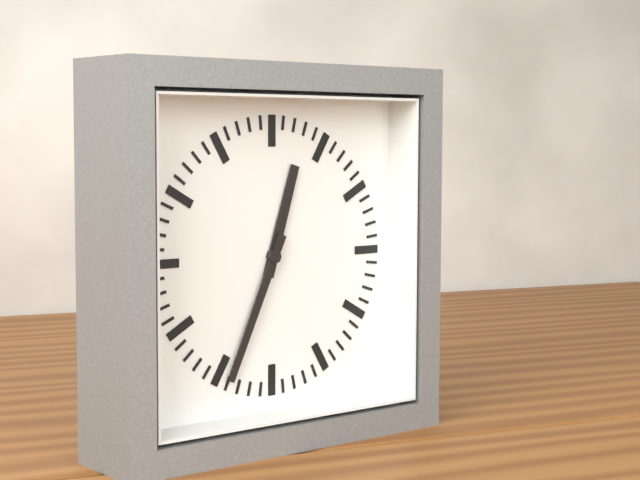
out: 12:34
